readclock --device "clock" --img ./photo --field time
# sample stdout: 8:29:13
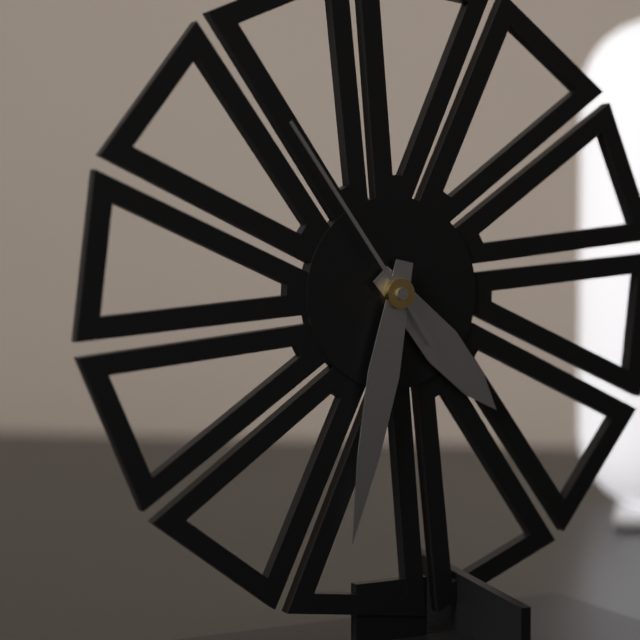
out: 4:32:54
